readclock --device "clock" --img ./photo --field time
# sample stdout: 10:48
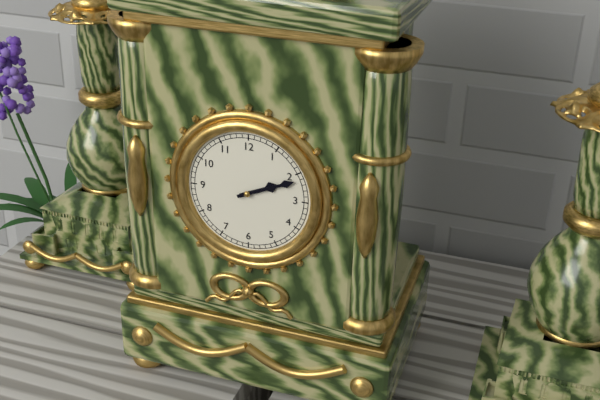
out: 2:11
